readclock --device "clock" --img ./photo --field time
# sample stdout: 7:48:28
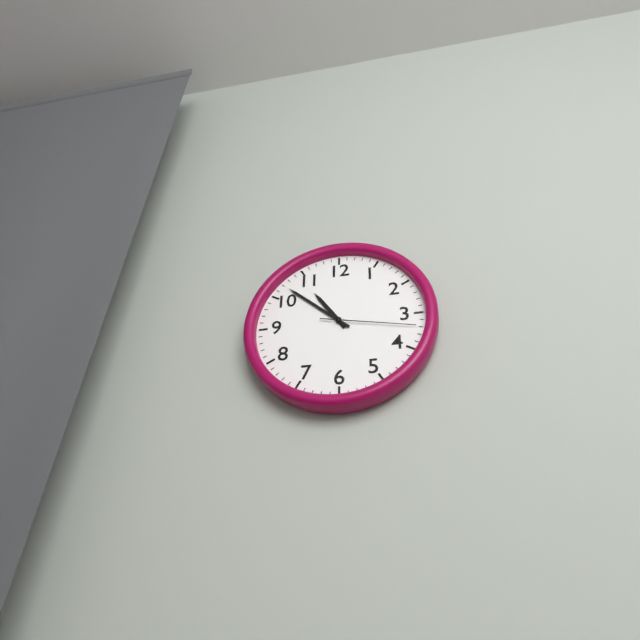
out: 10:52:17
